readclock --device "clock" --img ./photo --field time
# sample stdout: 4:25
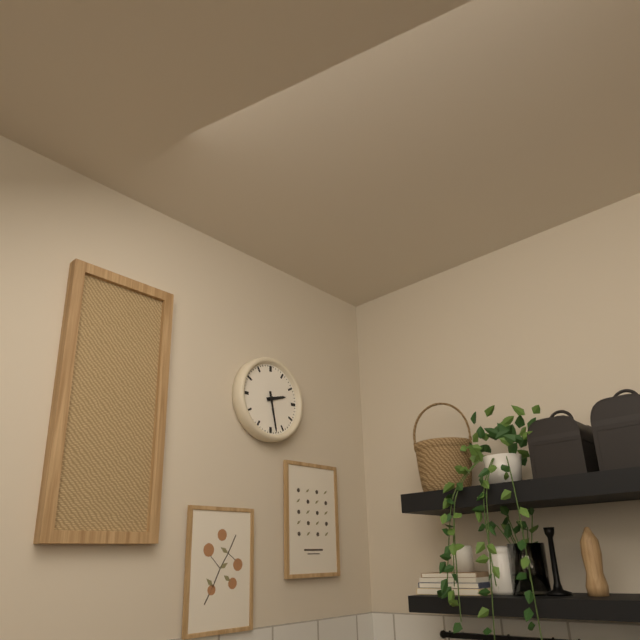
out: 2:28
